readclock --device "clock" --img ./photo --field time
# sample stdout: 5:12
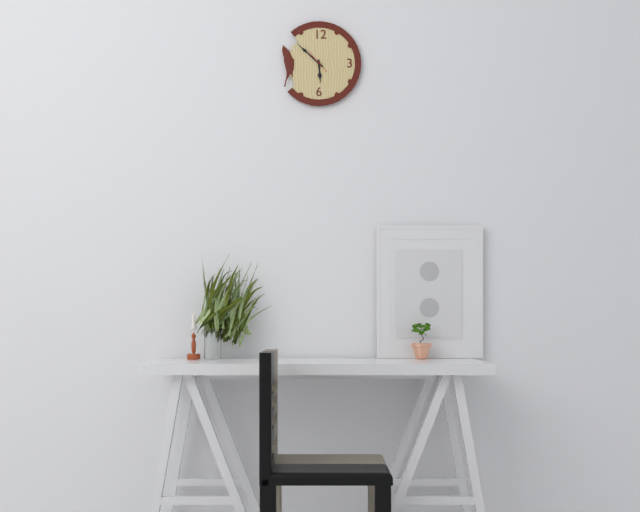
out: 5:52
